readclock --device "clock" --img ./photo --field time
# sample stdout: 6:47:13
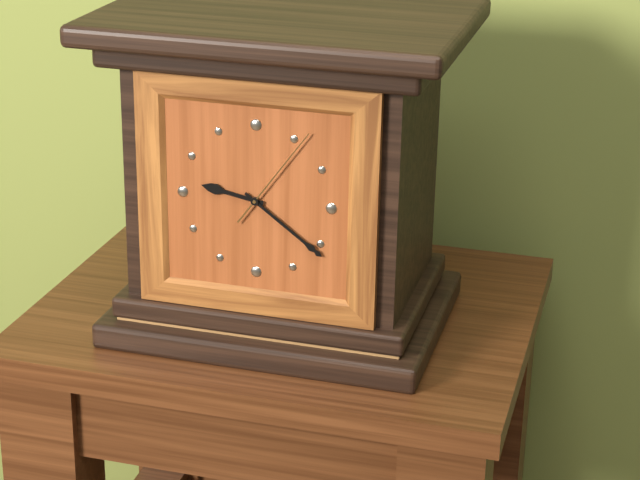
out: 9:21:06
